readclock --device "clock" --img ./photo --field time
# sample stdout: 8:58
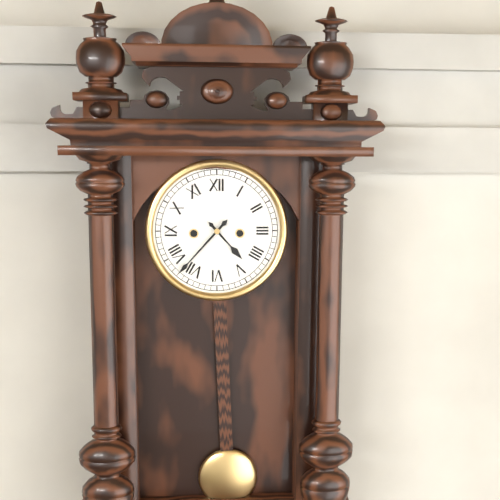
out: 4:37
